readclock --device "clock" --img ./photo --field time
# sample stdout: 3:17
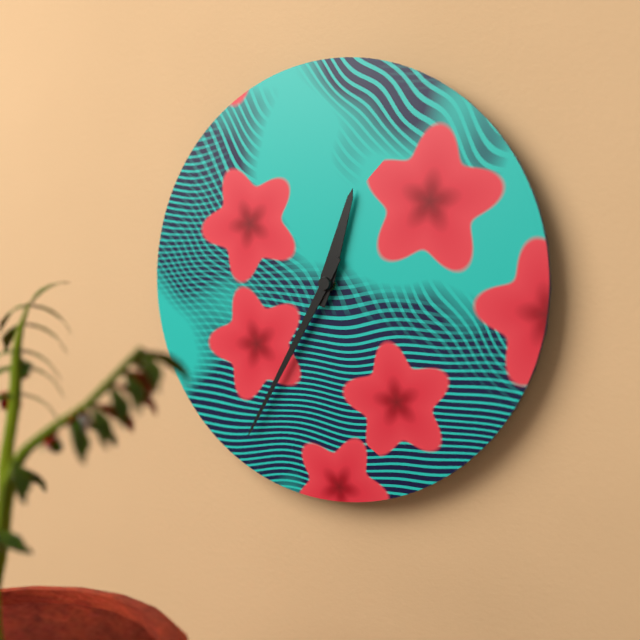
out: 12:35
